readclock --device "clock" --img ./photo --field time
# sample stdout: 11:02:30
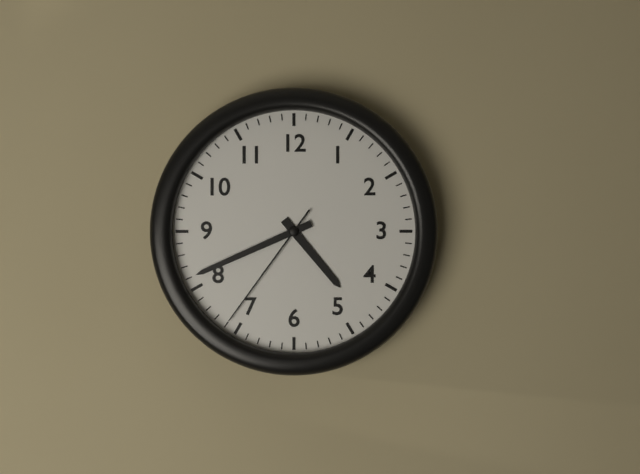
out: 4:41:36
